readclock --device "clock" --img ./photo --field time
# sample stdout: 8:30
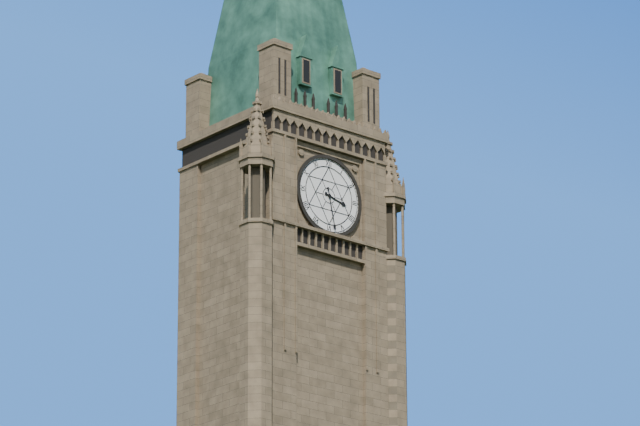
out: 3:28
